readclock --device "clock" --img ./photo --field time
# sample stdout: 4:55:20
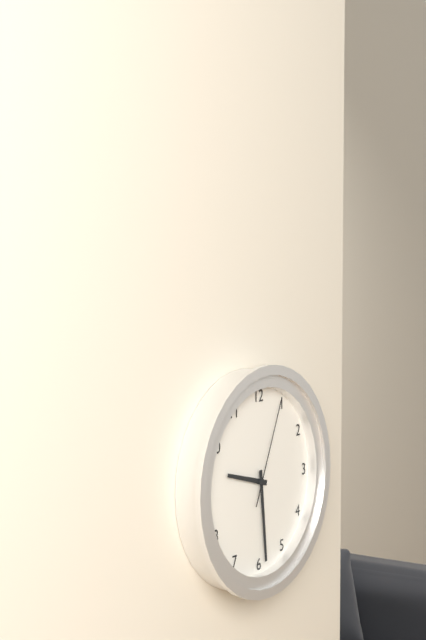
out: 9:29:04
